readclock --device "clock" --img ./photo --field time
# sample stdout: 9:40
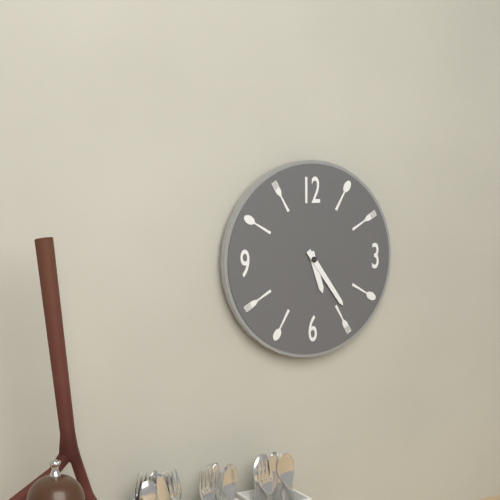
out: 5:24
